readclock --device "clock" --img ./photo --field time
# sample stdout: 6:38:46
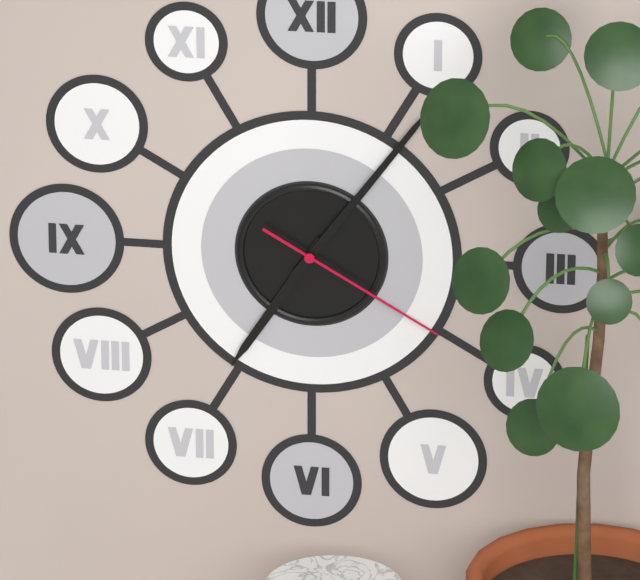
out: 7:06:20
